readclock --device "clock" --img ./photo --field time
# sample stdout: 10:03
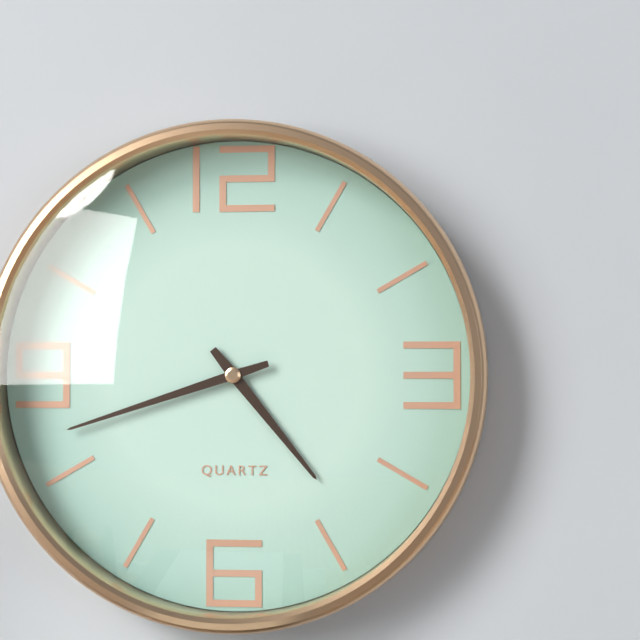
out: 4:42
